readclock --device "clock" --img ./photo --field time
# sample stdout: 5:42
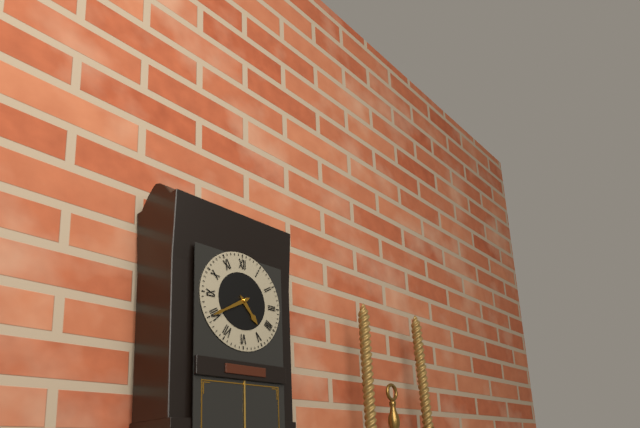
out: 4:40
